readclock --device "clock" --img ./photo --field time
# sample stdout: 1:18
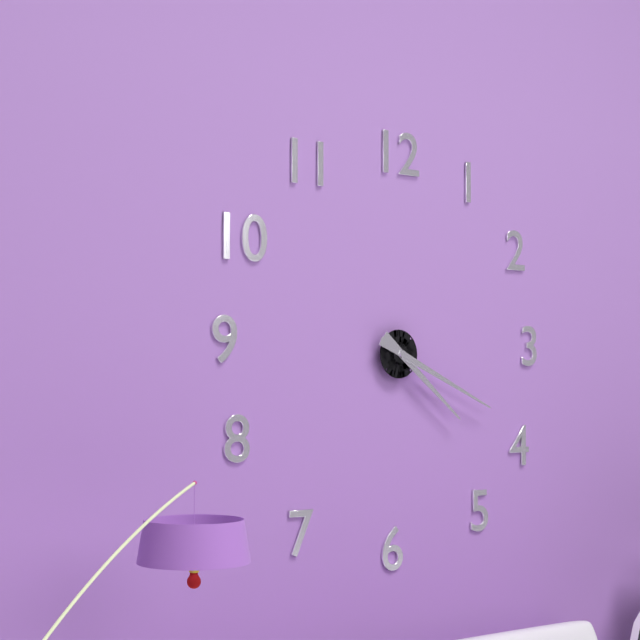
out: 4:19
